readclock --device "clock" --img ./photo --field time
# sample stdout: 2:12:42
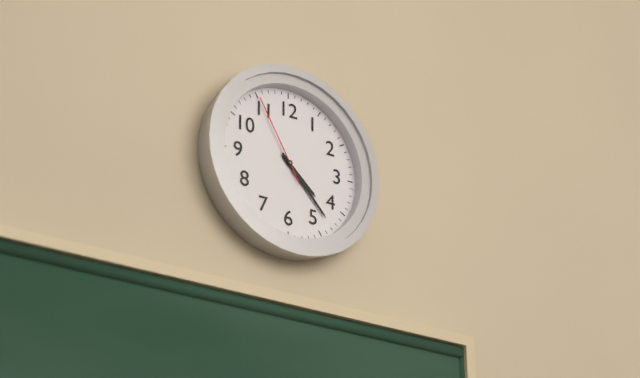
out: 4:23:55
